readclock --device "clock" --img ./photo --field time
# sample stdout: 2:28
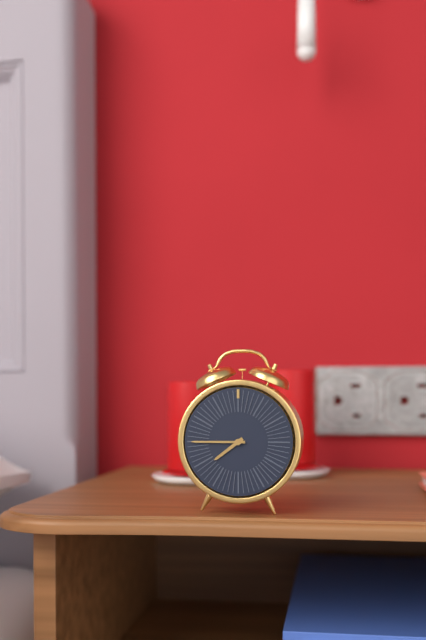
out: 7:45
